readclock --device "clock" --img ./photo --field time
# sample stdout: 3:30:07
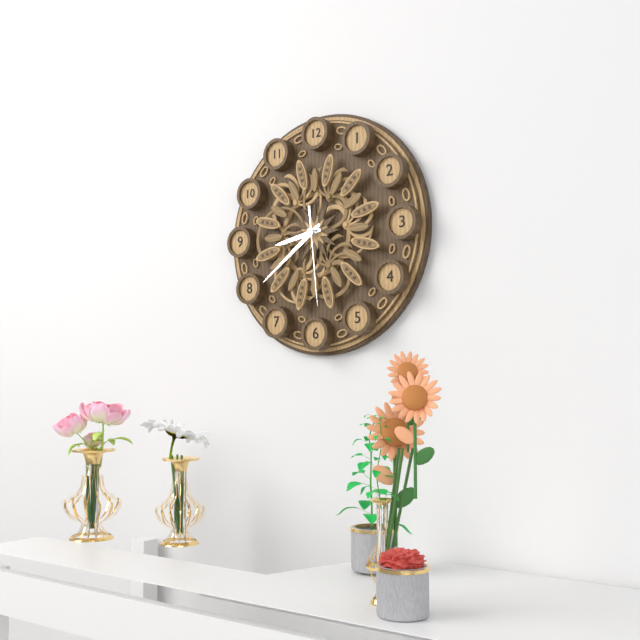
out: 8:39:29
